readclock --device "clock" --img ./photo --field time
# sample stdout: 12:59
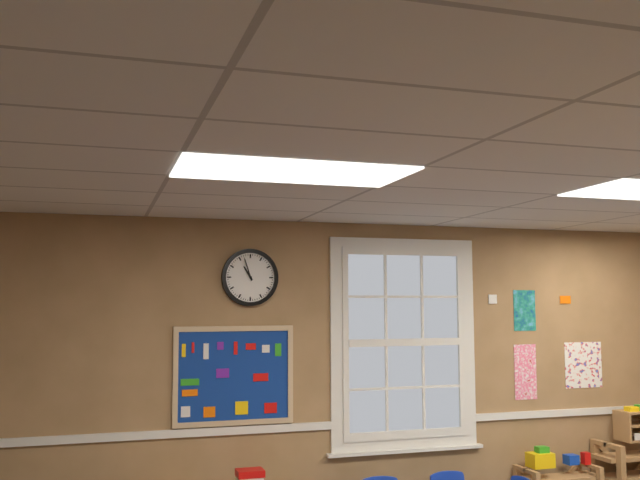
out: 10:57
